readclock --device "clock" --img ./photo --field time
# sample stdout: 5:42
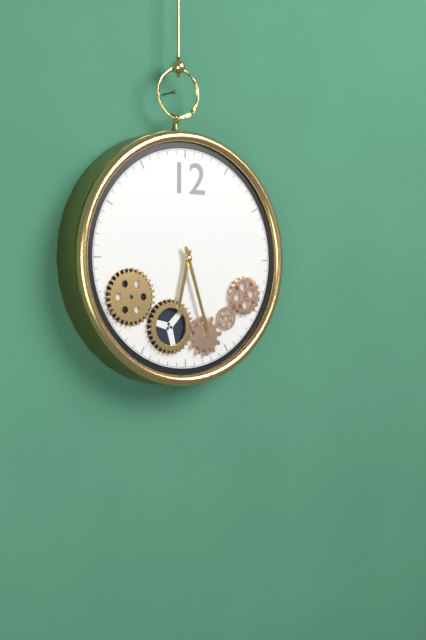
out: 6:27
